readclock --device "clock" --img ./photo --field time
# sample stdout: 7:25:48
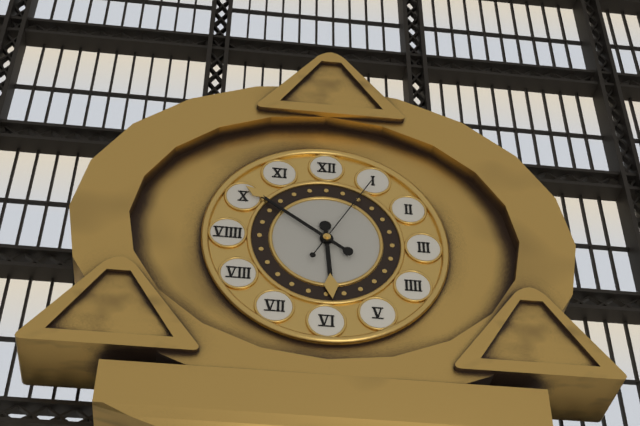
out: 5:51:05
